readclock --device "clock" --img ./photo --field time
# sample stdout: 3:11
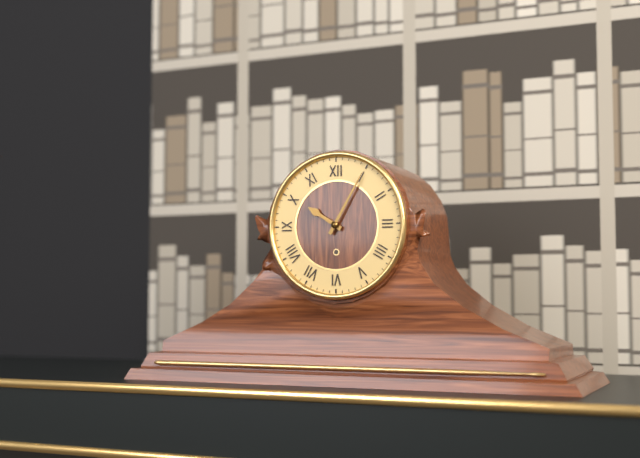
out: 10:05
